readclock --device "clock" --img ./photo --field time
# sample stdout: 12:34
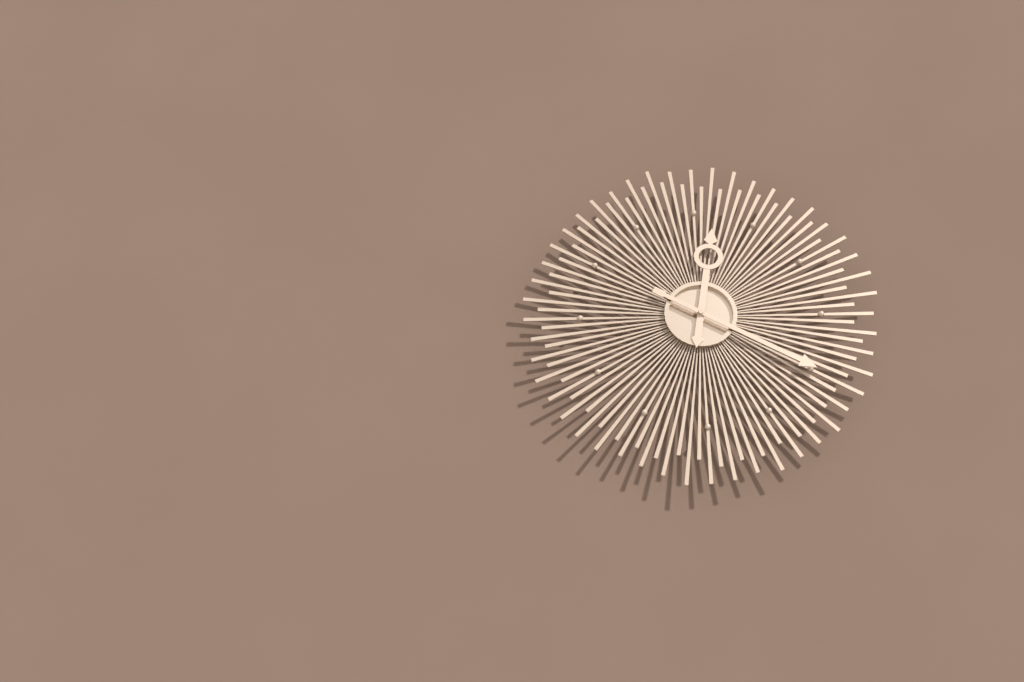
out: 12:20
